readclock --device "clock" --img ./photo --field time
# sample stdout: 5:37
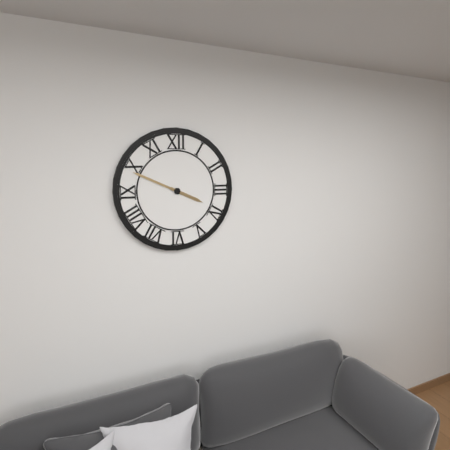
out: 3:49
